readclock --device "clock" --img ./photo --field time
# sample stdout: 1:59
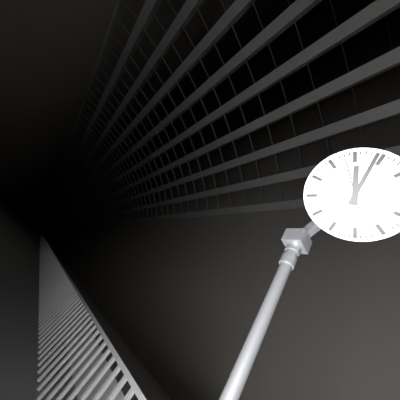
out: 12:04
